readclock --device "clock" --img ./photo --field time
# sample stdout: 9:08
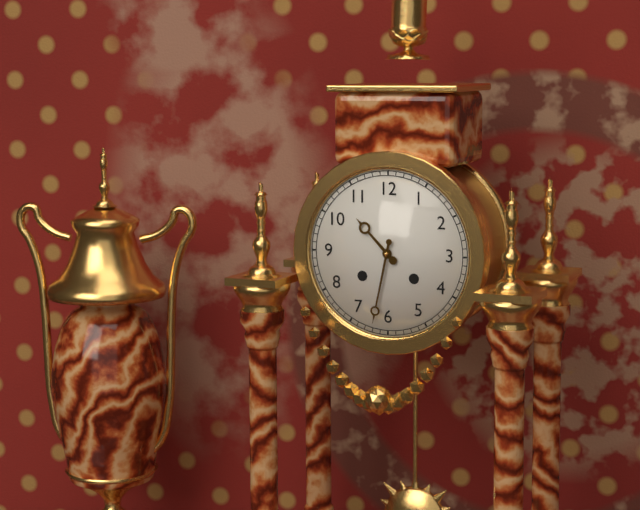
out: 10:32
